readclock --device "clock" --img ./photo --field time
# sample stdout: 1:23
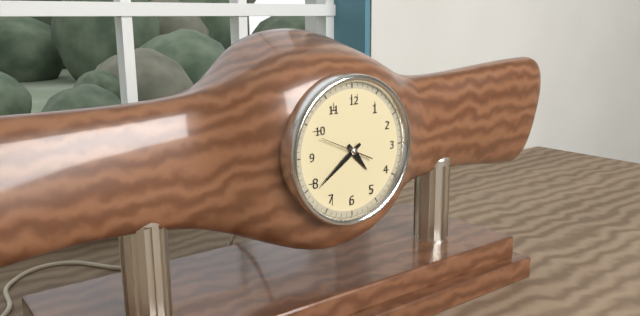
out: 4:39
